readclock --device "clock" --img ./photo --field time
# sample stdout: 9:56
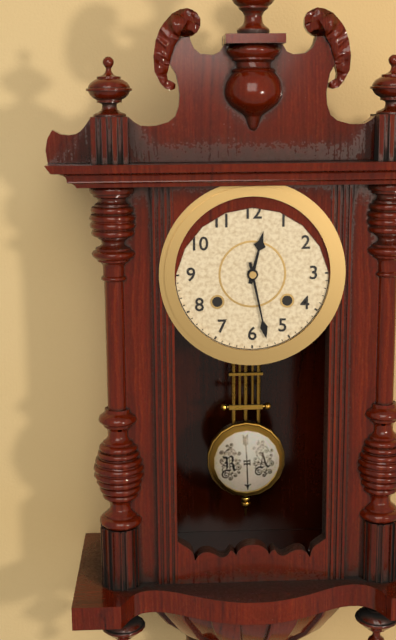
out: 12:28
